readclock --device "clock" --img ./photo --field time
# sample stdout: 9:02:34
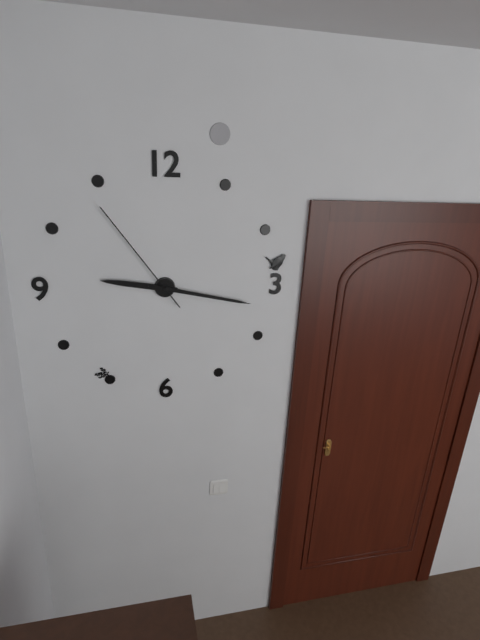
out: 9:17:54
